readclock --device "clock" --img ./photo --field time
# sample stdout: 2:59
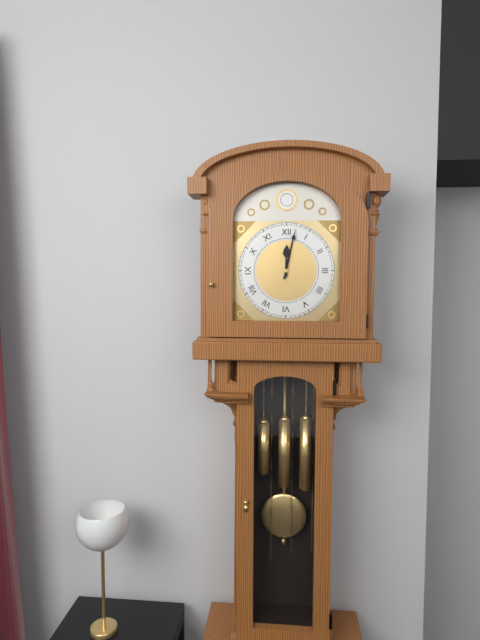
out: 12:02
